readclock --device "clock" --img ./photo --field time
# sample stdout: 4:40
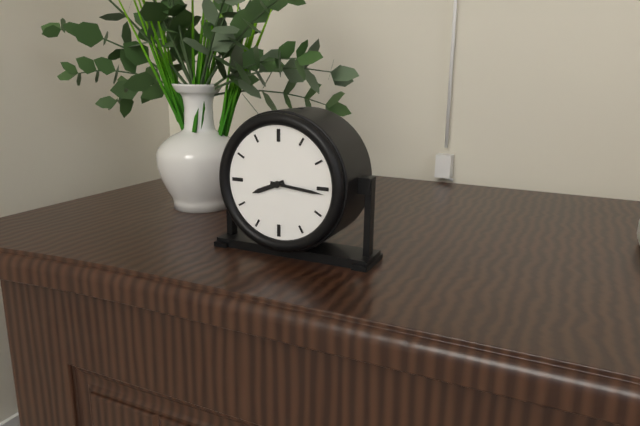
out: 8:16
